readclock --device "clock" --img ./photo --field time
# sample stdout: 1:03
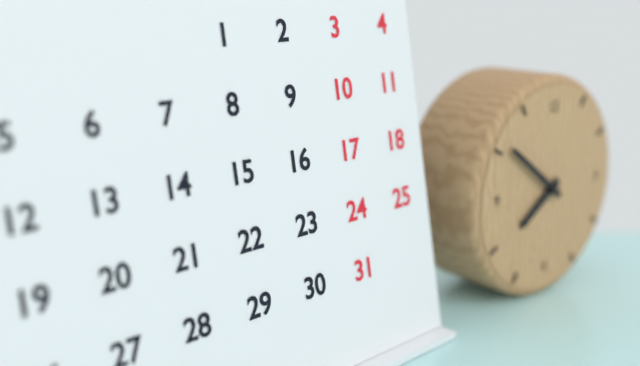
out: 7:51
